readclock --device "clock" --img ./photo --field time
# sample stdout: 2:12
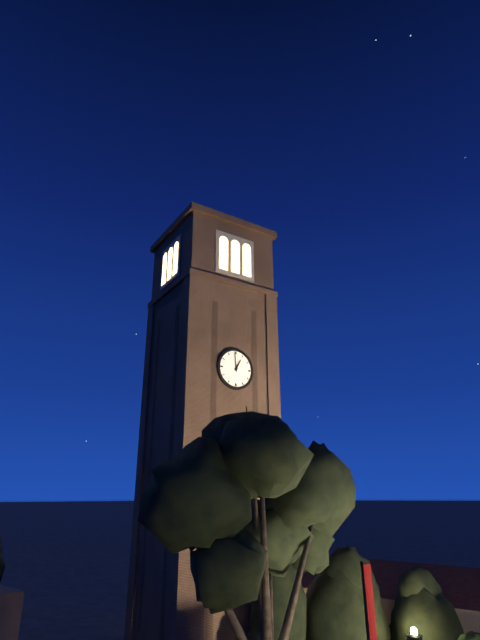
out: 12:59
